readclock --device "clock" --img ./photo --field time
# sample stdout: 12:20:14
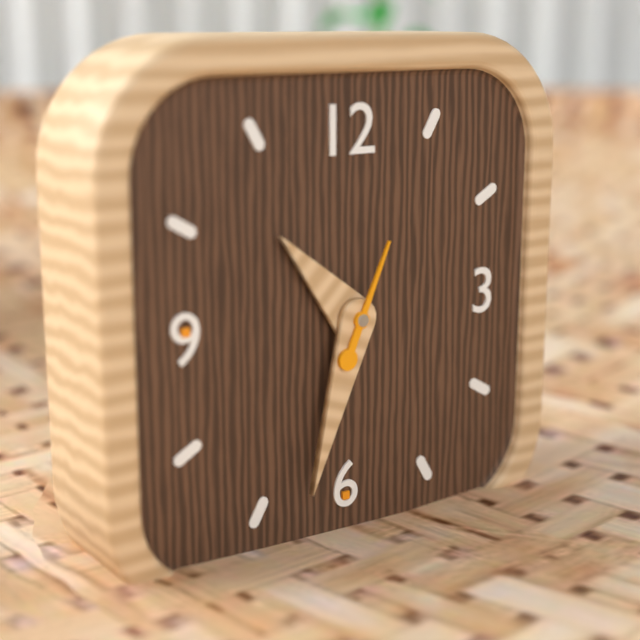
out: 10:33:04
